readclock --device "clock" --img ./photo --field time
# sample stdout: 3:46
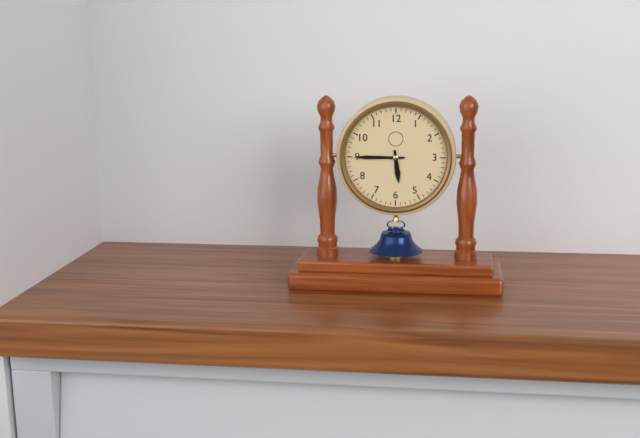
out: 5:45
